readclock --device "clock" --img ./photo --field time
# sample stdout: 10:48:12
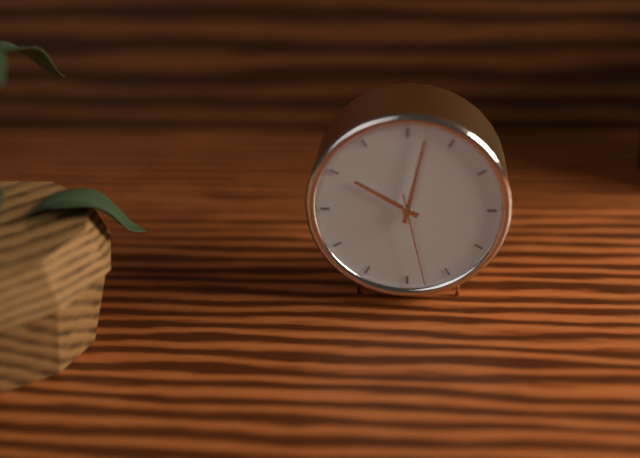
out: 10:02:28
